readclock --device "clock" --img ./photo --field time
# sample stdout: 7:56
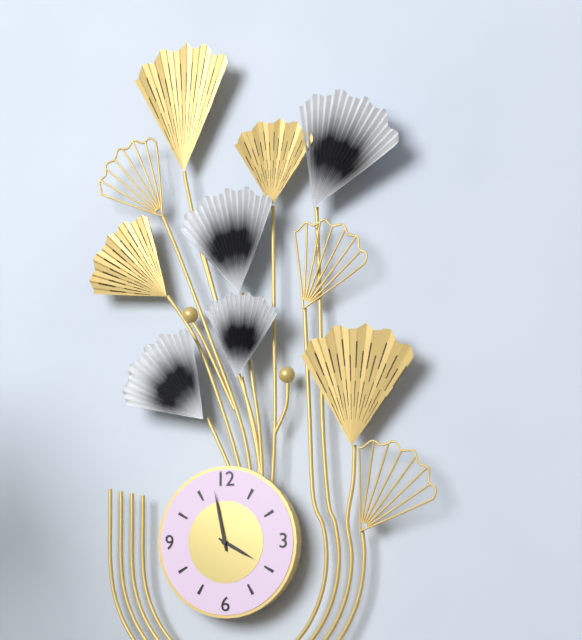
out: 3:58
